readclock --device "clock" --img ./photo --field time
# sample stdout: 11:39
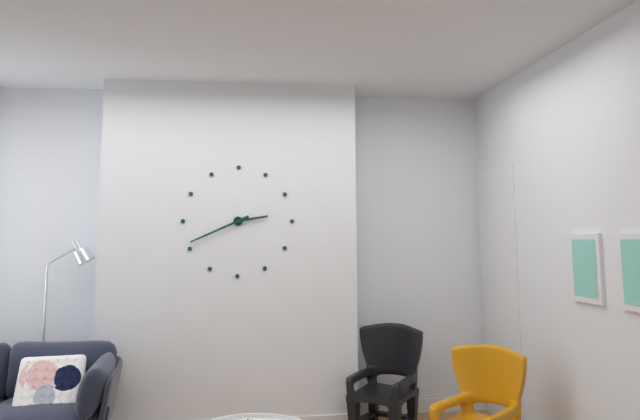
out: 2:41
